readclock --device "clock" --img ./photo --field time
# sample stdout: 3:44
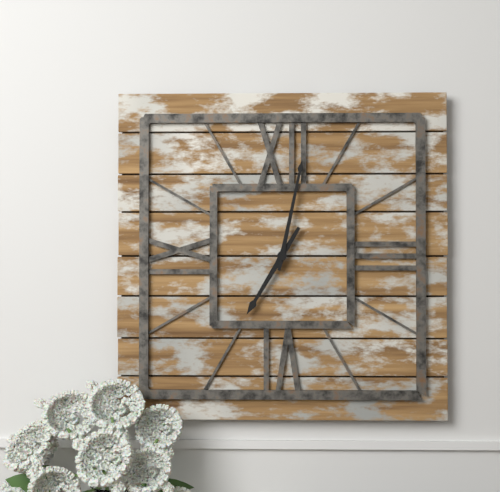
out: 7:02
